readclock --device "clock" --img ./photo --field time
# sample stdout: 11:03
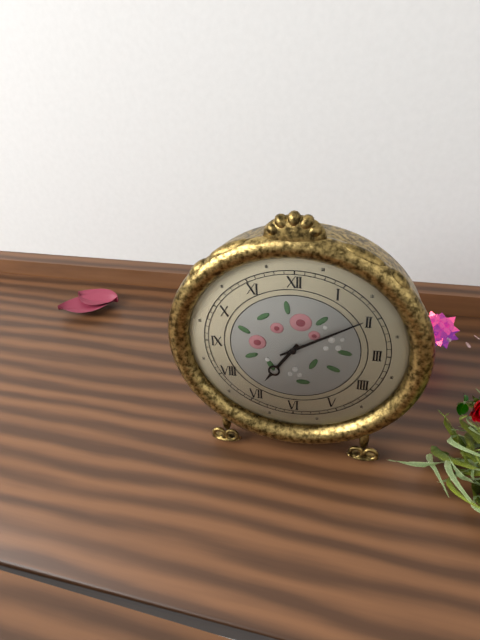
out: 7:10
